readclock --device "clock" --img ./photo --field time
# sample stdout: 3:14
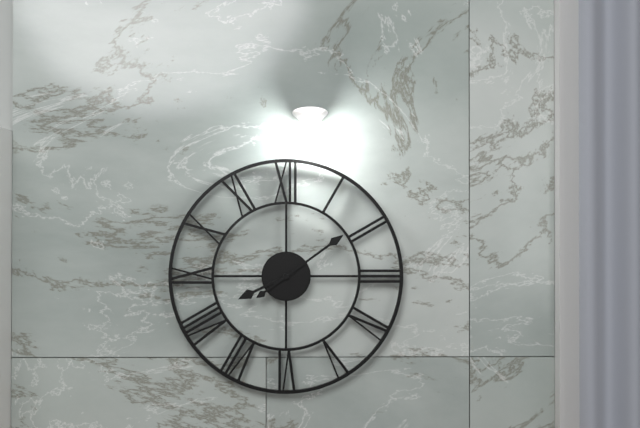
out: 8:09
